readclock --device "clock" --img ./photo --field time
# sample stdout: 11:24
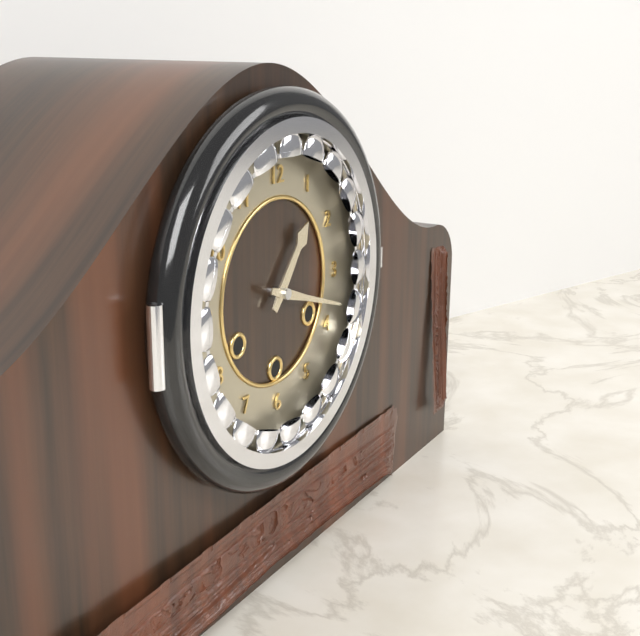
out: 1:18
